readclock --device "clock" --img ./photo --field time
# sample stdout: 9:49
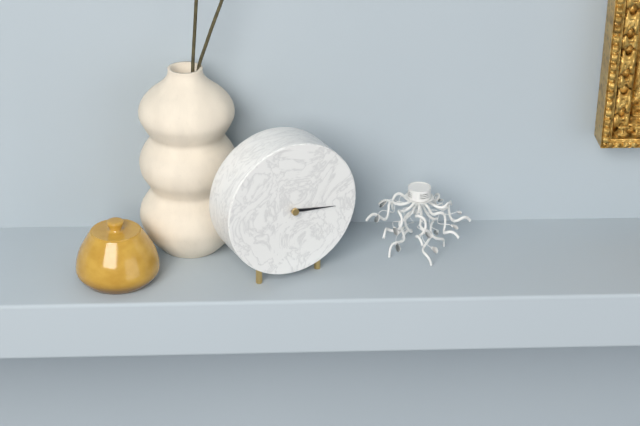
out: 3:16
